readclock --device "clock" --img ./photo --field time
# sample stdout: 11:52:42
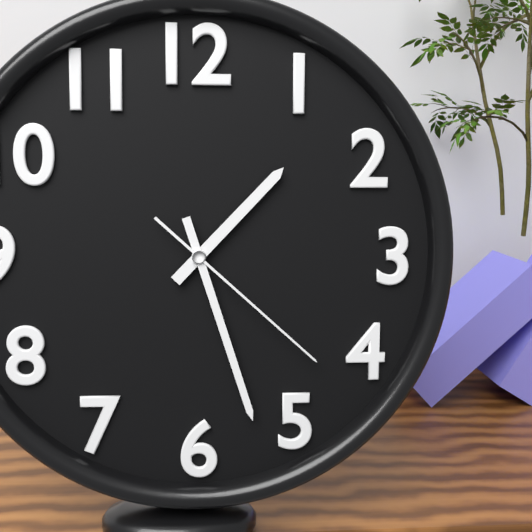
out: 1:27:22
